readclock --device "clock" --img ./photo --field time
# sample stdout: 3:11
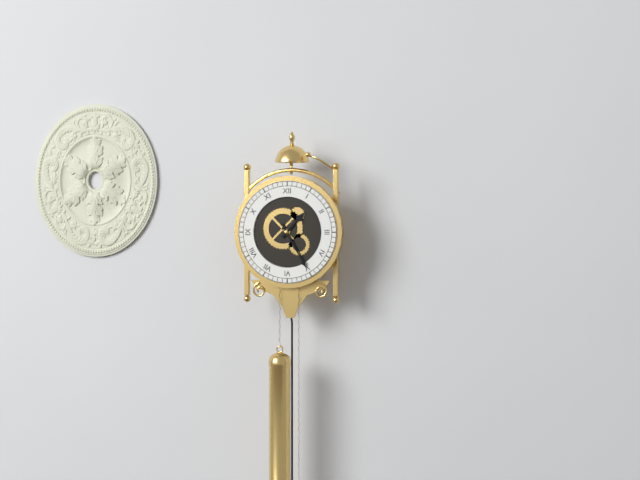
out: 1:25
